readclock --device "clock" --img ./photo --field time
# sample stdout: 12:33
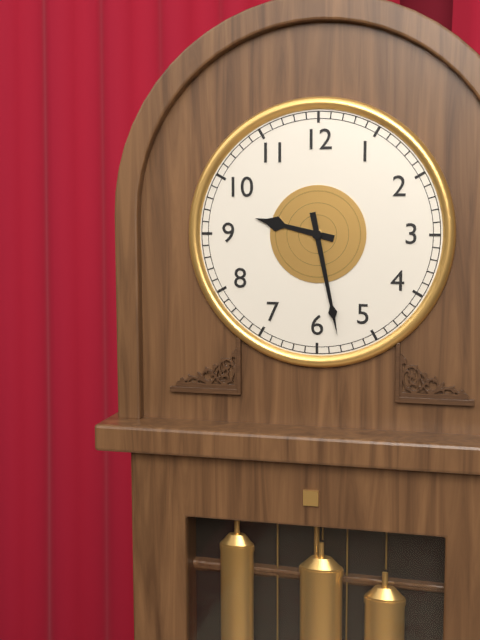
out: 9:28
